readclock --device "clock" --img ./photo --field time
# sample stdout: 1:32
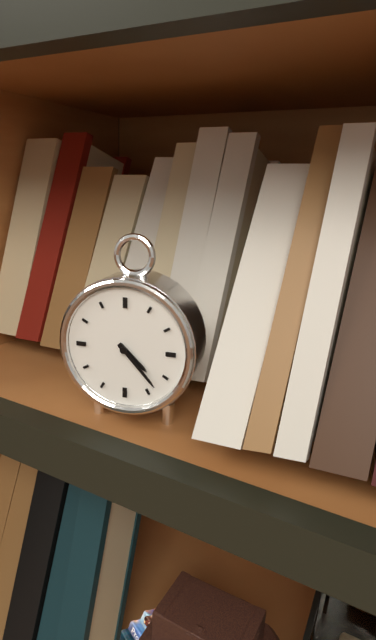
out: 4:23
